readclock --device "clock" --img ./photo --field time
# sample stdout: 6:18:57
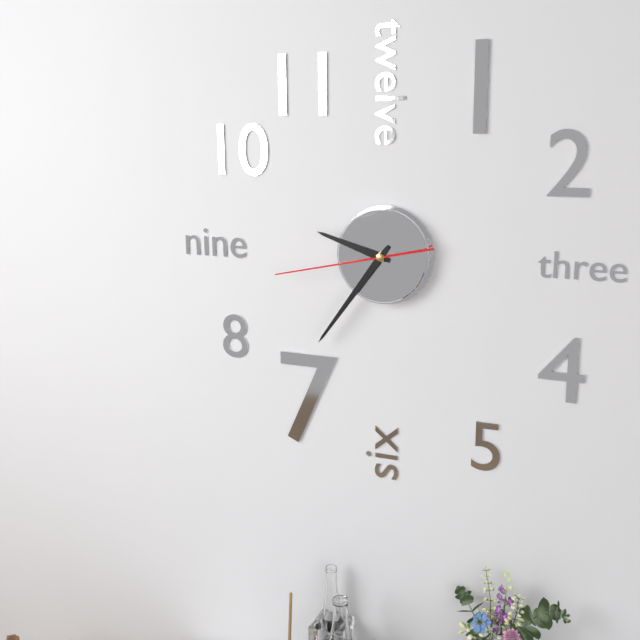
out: 9:36:43
